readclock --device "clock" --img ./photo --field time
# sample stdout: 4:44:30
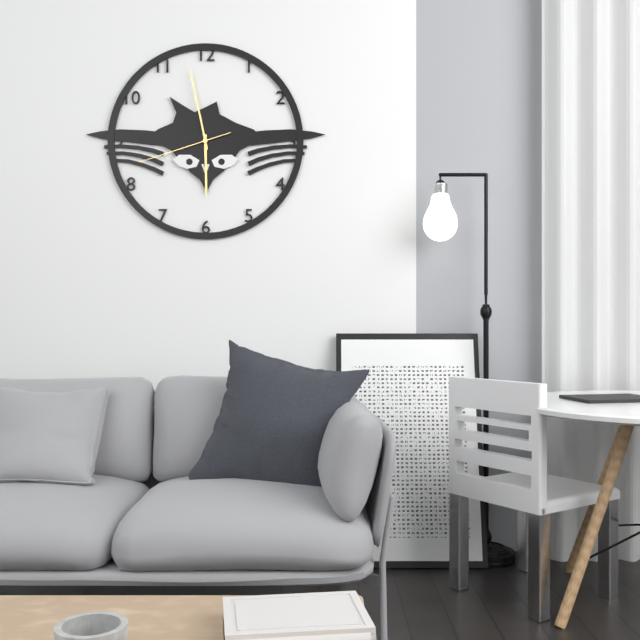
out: 5:58:42
